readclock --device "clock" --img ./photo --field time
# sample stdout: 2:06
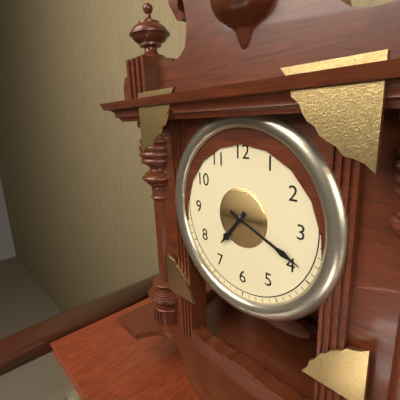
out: 7:19
